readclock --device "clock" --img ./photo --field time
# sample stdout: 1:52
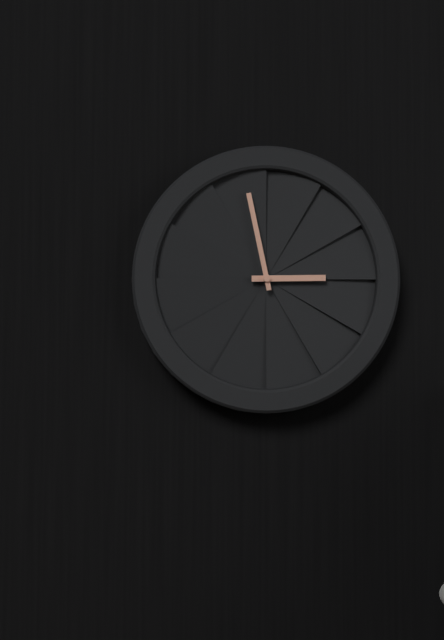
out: 2:58
